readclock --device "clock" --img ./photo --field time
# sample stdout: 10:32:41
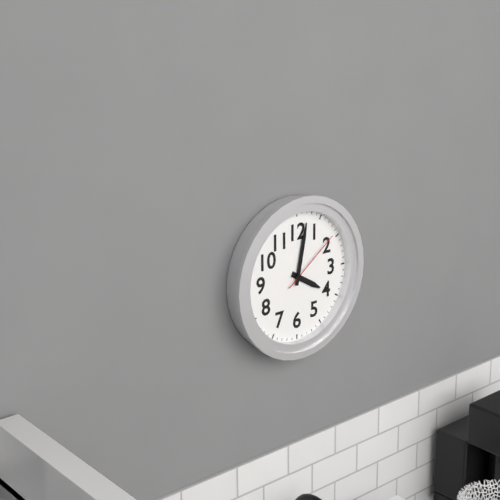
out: 4:02:09
